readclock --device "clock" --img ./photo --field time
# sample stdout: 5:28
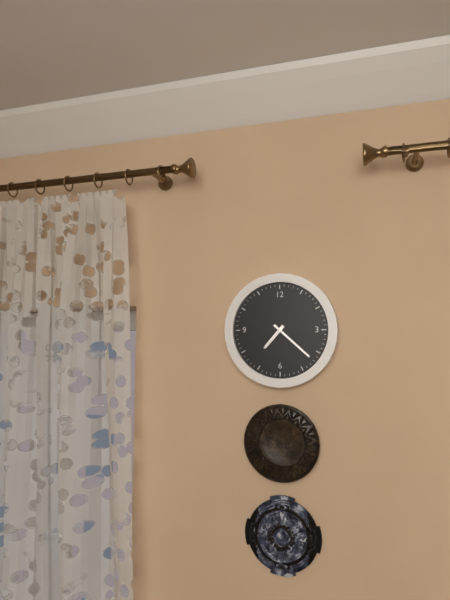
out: 7:22
